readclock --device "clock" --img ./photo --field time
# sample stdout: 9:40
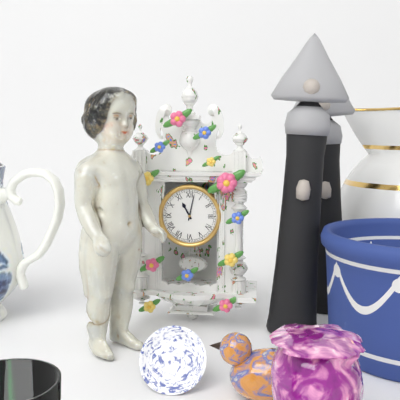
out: 11:02
